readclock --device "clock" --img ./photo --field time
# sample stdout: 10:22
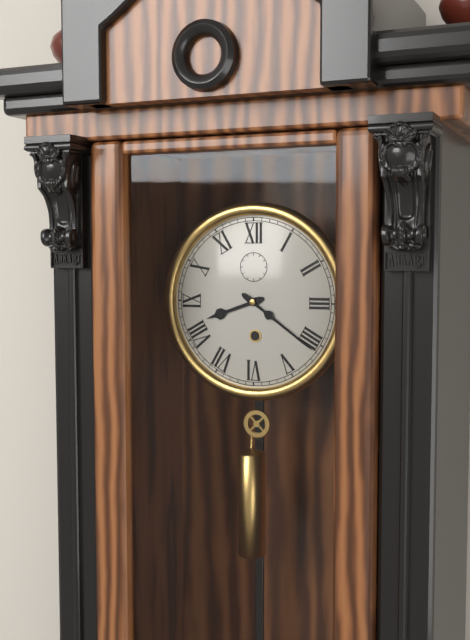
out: 8:21
